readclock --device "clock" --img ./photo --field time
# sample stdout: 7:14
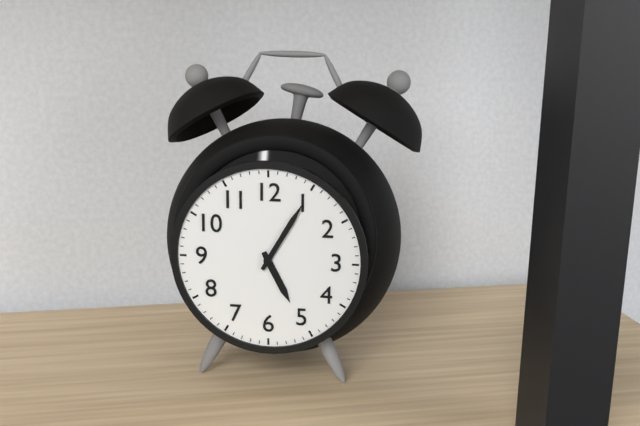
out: 5:05
